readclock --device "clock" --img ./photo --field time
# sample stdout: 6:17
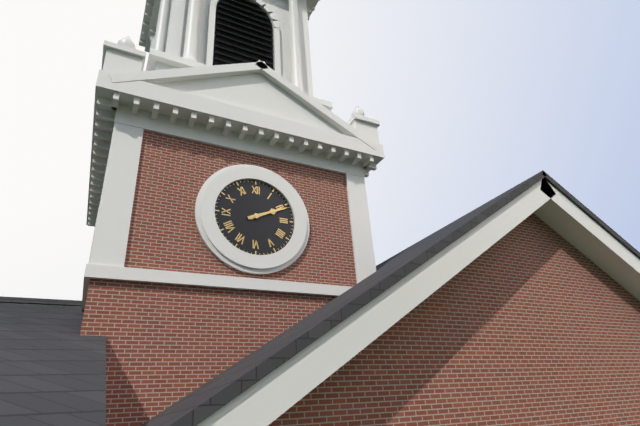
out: 2:11
